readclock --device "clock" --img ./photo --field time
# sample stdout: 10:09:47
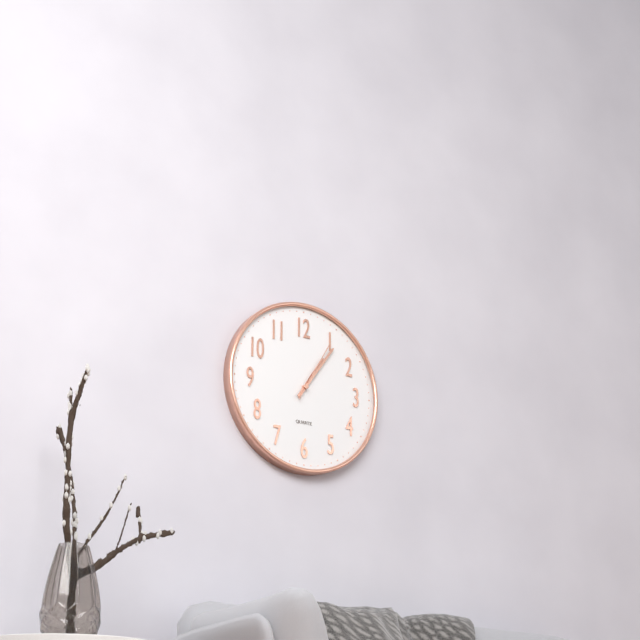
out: 1:06:05
